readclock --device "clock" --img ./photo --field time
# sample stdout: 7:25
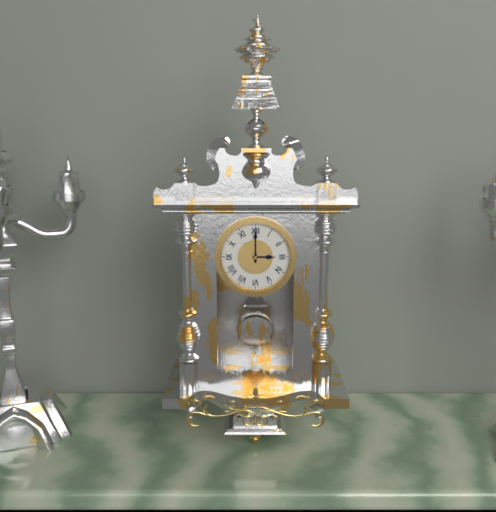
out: 3:00
